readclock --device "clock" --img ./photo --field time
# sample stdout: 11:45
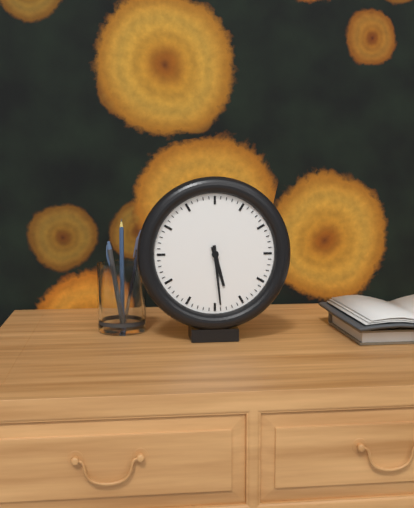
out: 5:29
